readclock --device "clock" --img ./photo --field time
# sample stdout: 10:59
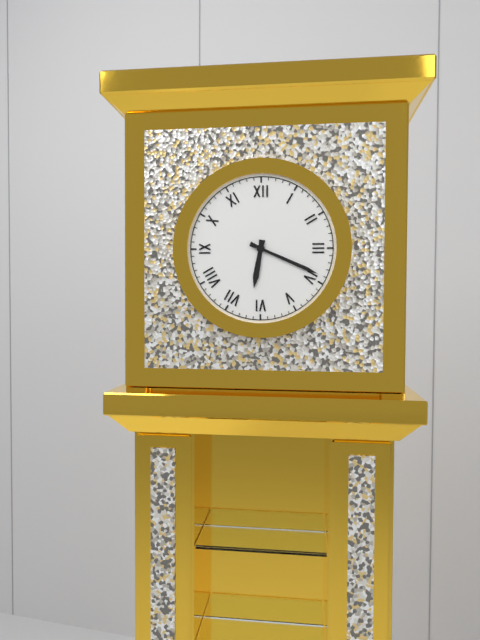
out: 6:19
